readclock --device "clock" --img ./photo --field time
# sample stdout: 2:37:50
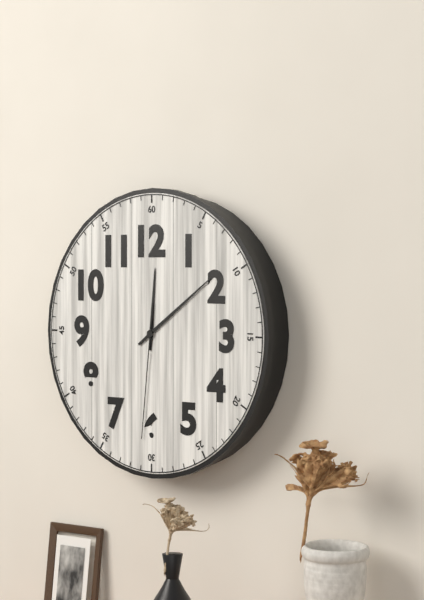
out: 12:09:31
